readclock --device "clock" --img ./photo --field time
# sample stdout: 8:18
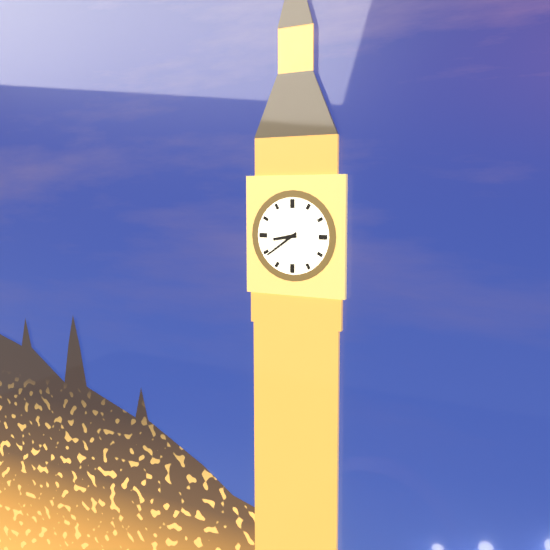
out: 8:39
